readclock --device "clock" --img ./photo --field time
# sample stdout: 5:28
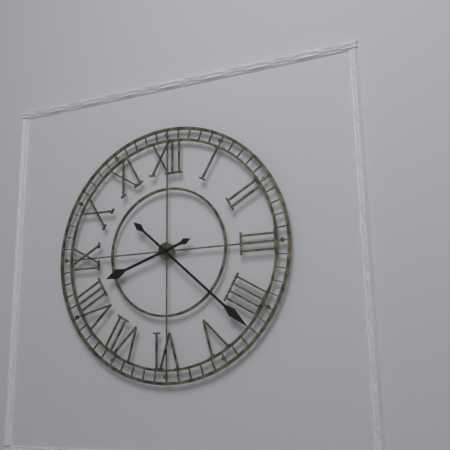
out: 8:22
